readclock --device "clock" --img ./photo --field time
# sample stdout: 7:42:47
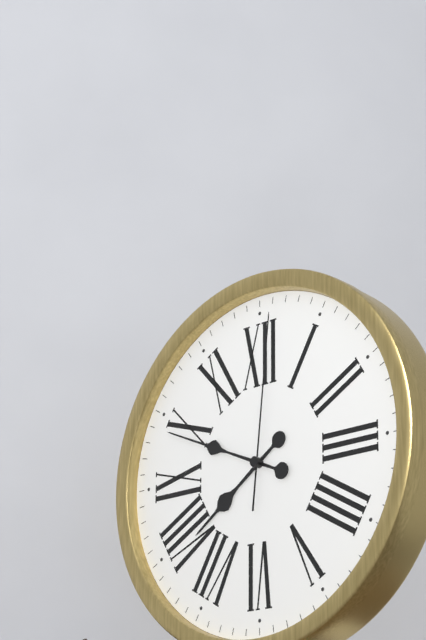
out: 7:49:01
